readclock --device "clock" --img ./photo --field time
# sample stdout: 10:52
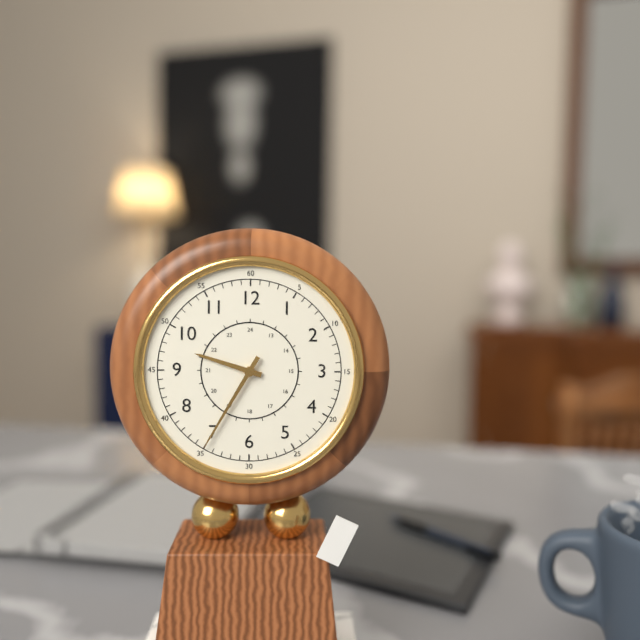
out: 9:35
